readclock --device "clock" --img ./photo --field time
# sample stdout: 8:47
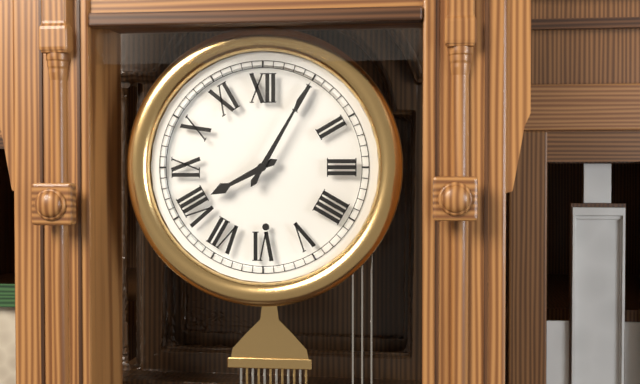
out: 8:05
